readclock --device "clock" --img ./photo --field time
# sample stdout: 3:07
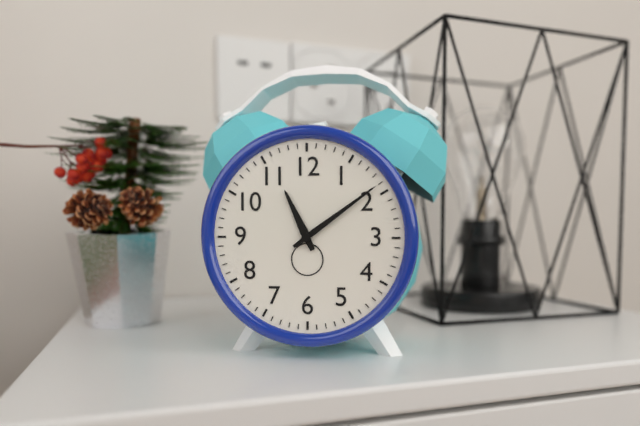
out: 11:09
